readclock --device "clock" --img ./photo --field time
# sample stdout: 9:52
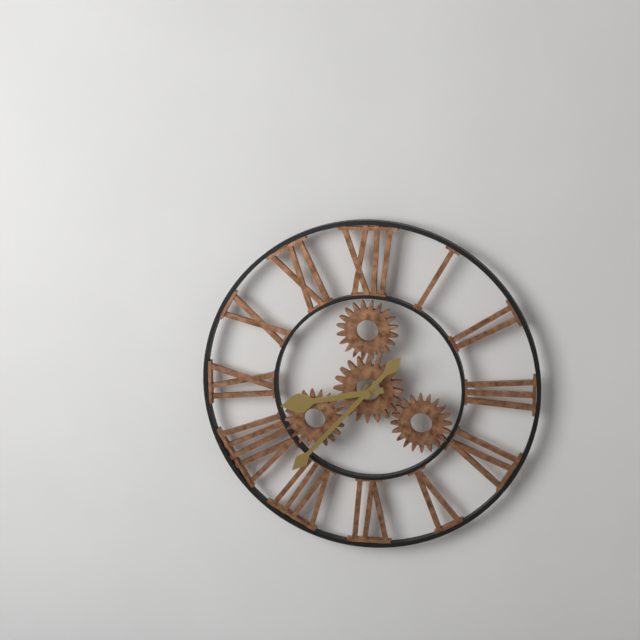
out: 8:37
